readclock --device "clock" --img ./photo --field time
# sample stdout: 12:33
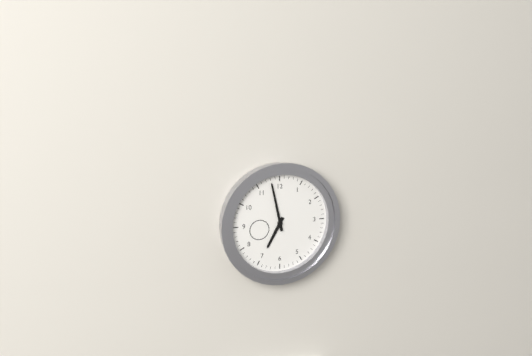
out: 6:58
